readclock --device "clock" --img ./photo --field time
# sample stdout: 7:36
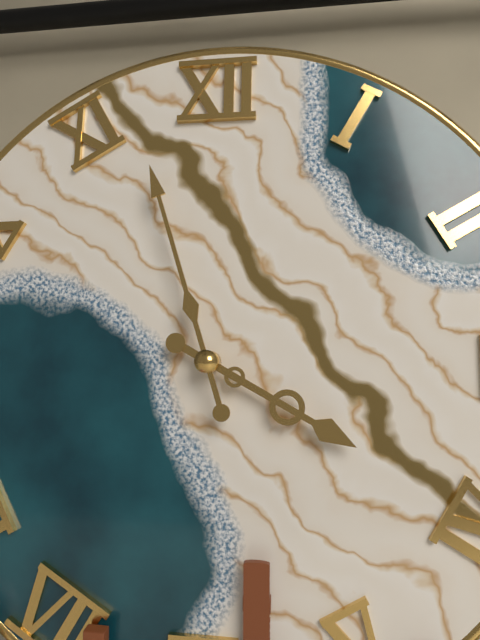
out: 3:57
